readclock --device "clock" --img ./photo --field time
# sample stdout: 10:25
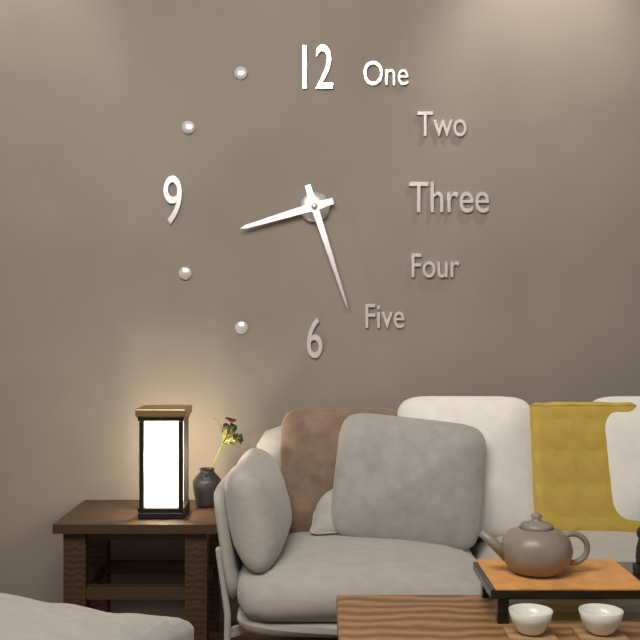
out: 8:27
